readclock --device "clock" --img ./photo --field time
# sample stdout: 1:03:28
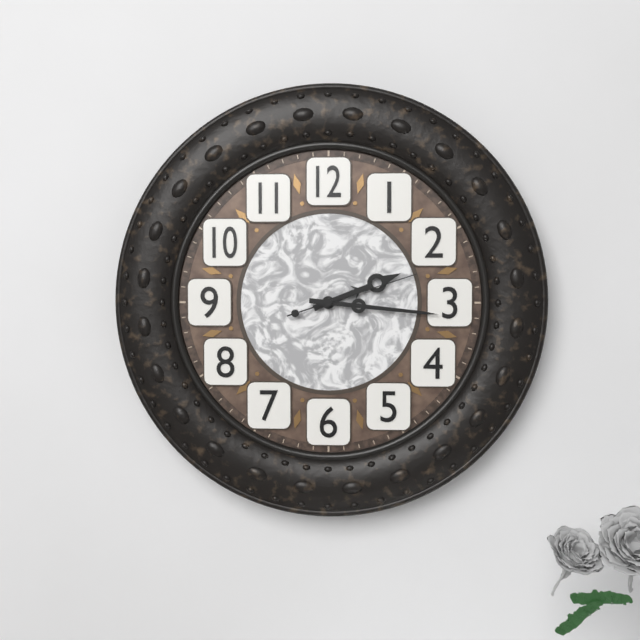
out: 2:16:12
